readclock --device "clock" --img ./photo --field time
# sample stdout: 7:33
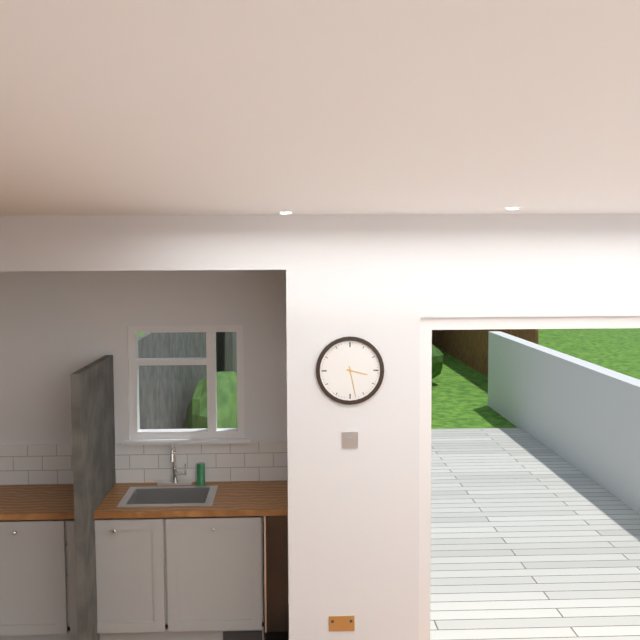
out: 3:28
